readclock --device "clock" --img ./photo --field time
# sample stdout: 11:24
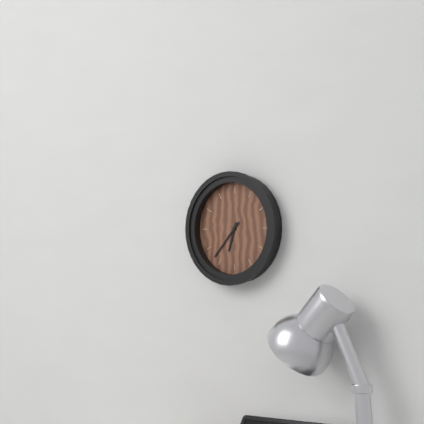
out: 6:37
